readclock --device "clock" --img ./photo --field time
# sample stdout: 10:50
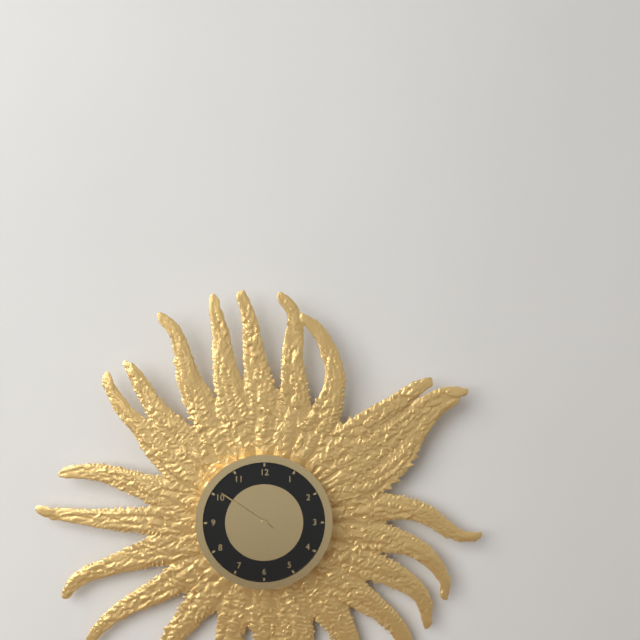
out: 5:51
